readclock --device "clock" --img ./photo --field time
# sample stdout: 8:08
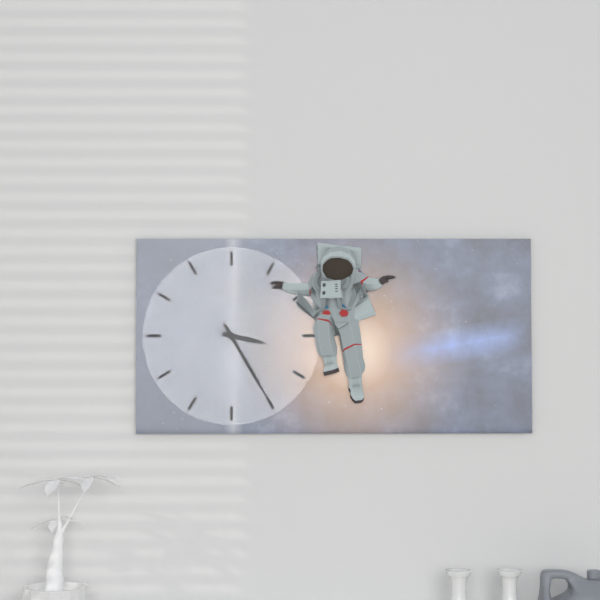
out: 3:25
